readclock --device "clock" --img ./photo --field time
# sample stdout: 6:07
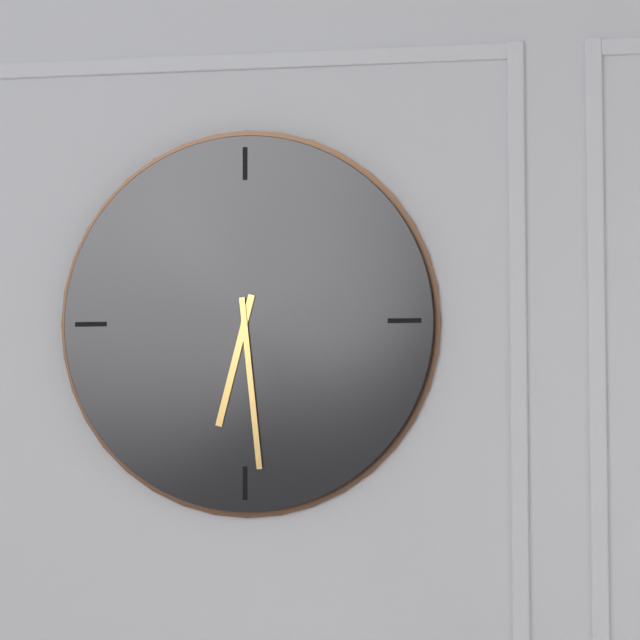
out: 6:29
